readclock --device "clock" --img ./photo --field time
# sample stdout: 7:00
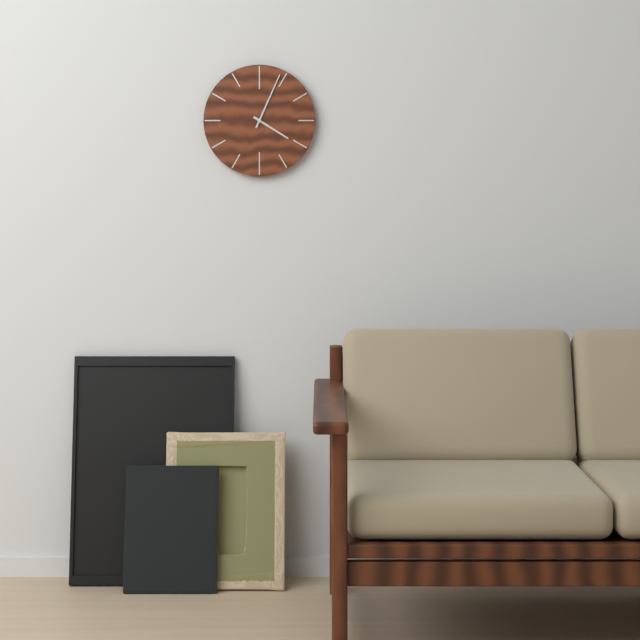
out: 4:04
